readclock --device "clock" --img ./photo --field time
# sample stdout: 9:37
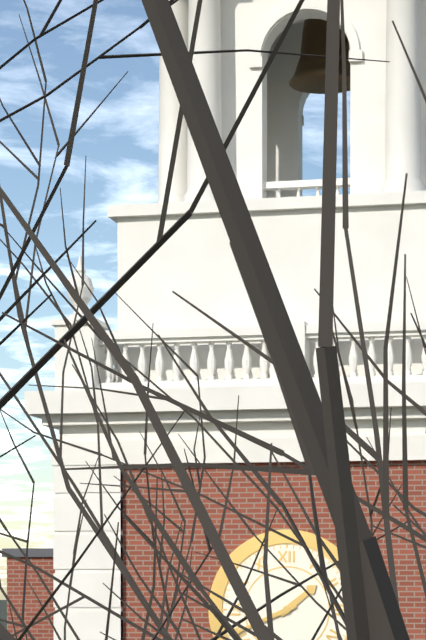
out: 1:41
